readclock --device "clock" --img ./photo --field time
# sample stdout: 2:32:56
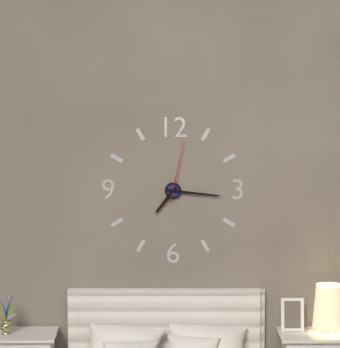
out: 7:16:02
